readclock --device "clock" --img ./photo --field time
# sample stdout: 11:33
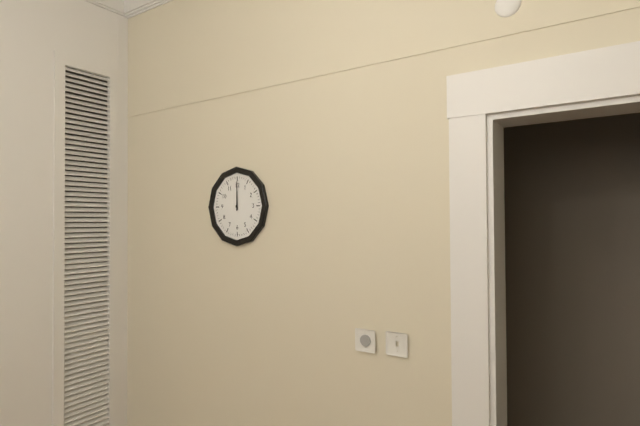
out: 12:00
